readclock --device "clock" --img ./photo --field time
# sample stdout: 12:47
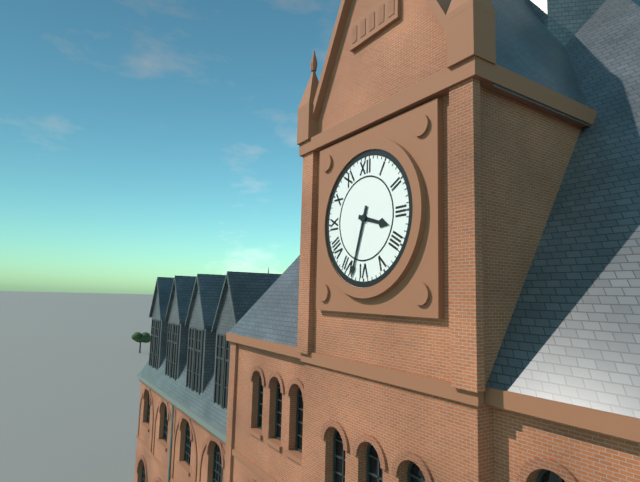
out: 3:33
